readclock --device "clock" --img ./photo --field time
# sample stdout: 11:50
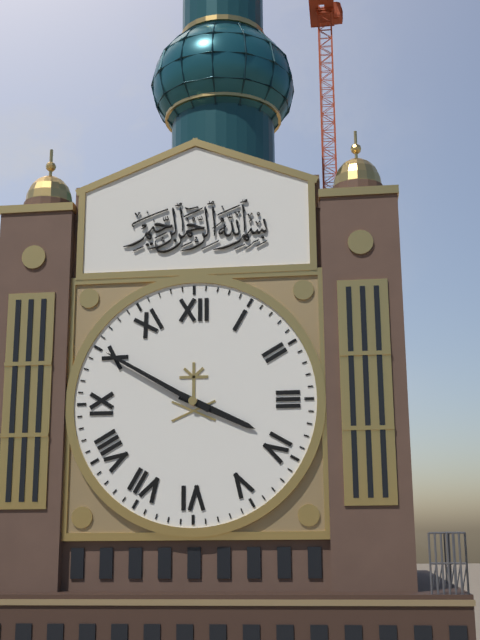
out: 3:50
